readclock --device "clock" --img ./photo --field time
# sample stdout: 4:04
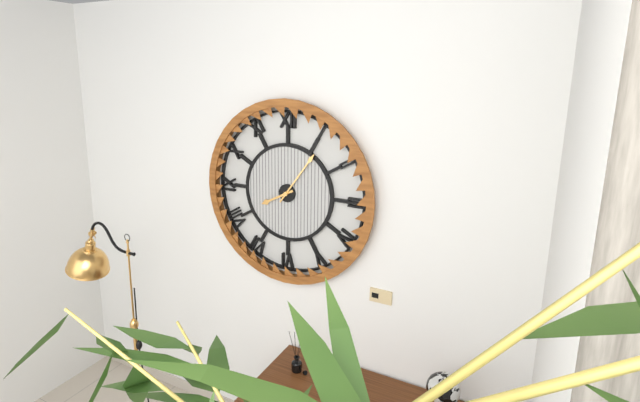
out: 8:06
